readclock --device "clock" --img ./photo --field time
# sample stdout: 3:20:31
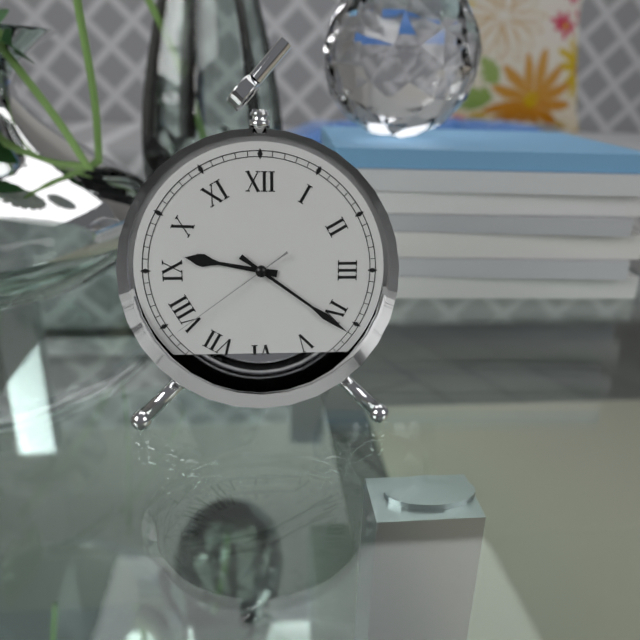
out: 9:21:39
